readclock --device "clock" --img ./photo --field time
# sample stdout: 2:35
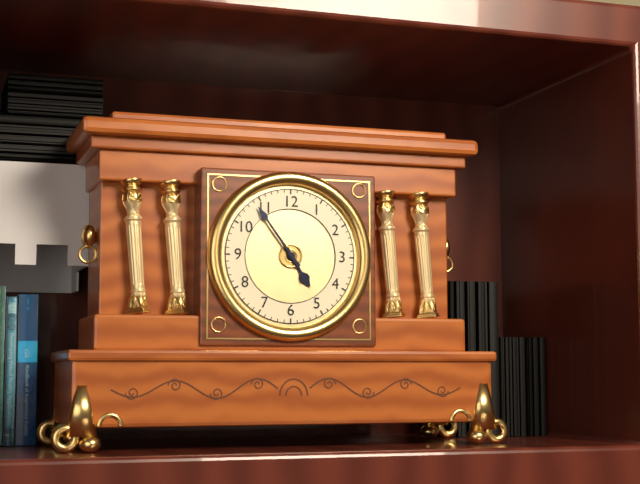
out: 4:54
